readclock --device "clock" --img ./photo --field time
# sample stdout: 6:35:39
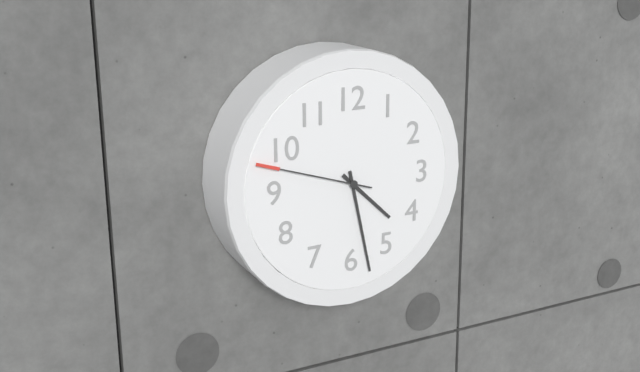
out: 4:28:48
